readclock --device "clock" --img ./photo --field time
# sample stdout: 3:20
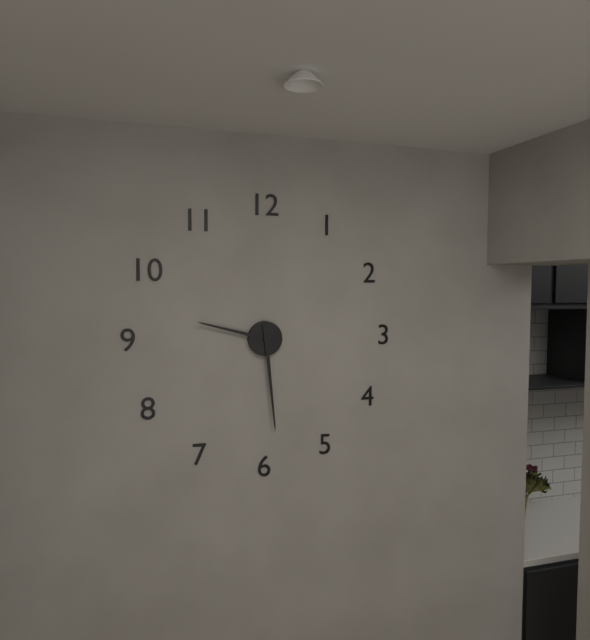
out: 9:29
